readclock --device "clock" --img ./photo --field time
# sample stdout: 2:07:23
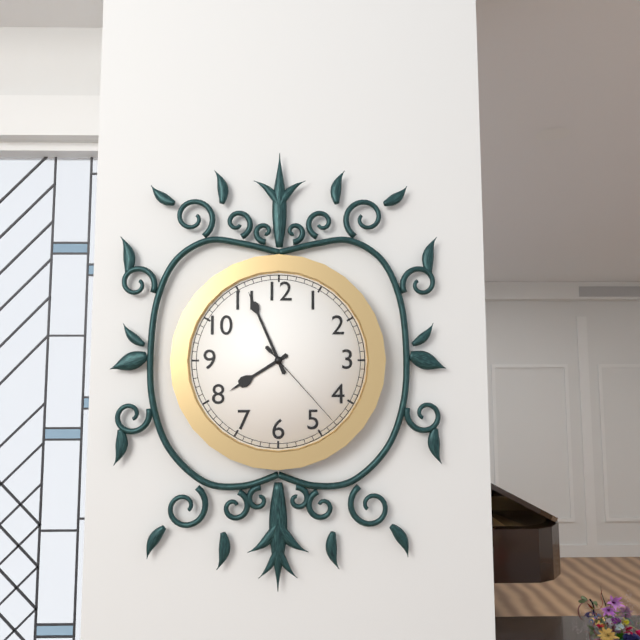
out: 7:56:23
